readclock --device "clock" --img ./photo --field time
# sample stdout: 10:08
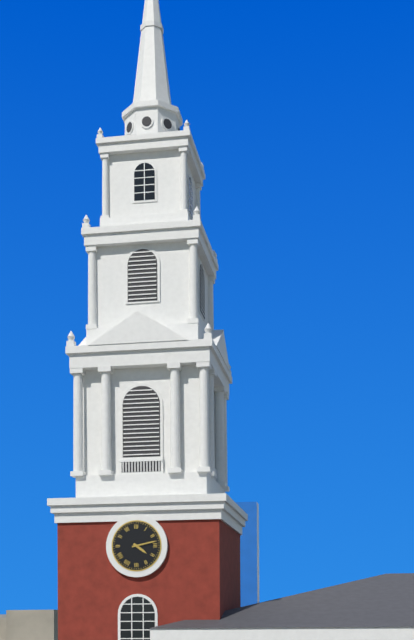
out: 4:13
